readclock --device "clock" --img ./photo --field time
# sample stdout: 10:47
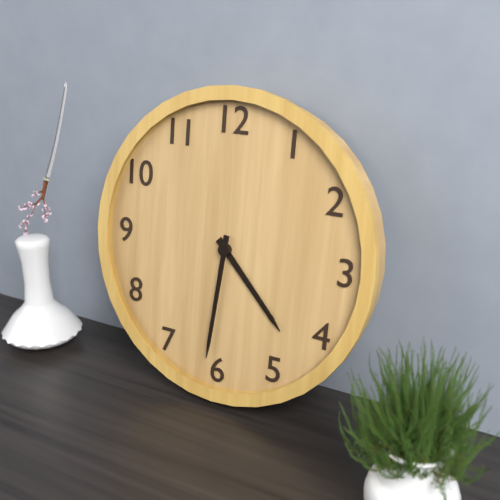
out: 4:31
